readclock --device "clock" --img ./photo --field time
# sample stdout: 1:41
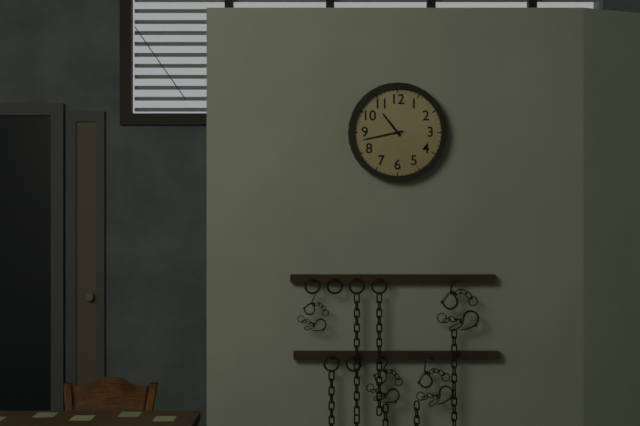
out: 10:43
